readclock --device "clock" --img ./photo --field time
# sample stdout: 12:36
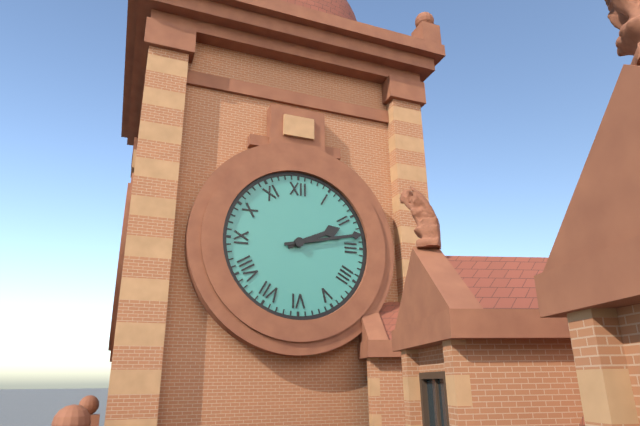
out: 2:13
